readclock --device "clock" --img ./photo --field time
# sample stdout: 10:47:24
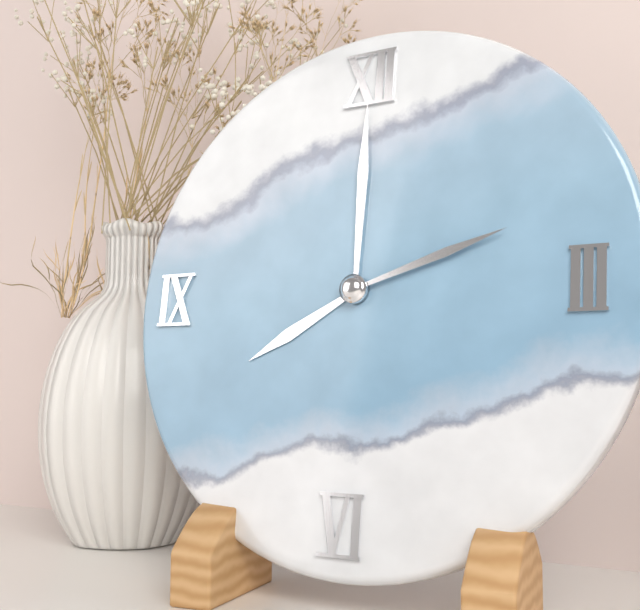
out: 8:00:12
